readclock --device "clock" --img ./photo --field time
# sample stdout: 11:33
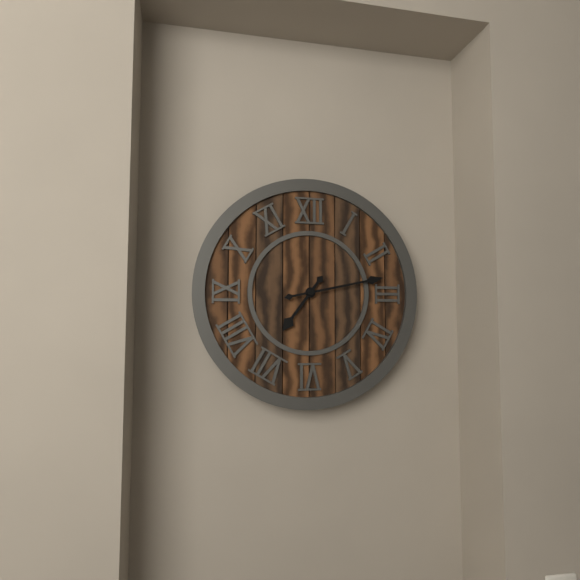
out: 7:13
